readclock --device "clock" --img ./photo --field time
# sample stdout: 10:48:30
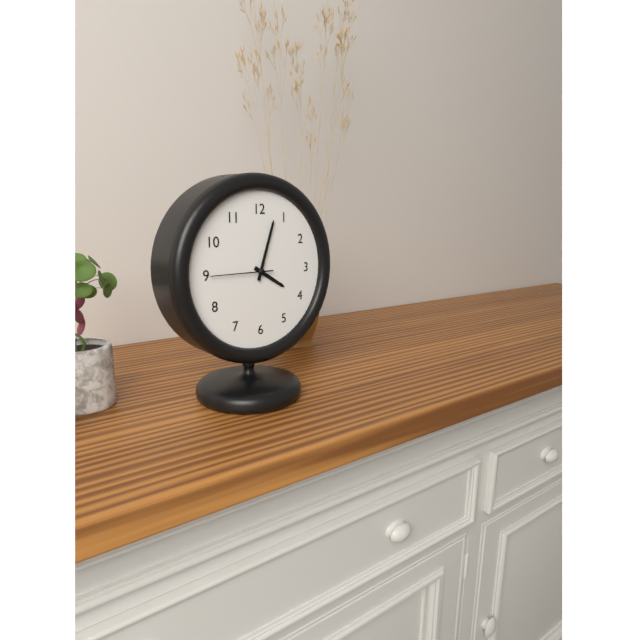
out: 4:03:45
